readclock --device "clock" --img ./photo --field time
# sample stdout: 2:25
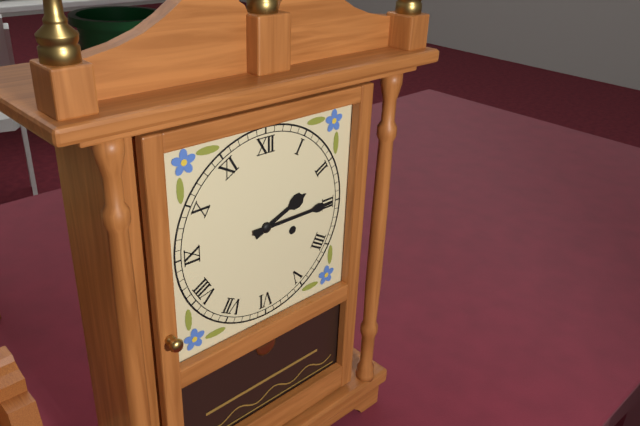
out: 2:15
